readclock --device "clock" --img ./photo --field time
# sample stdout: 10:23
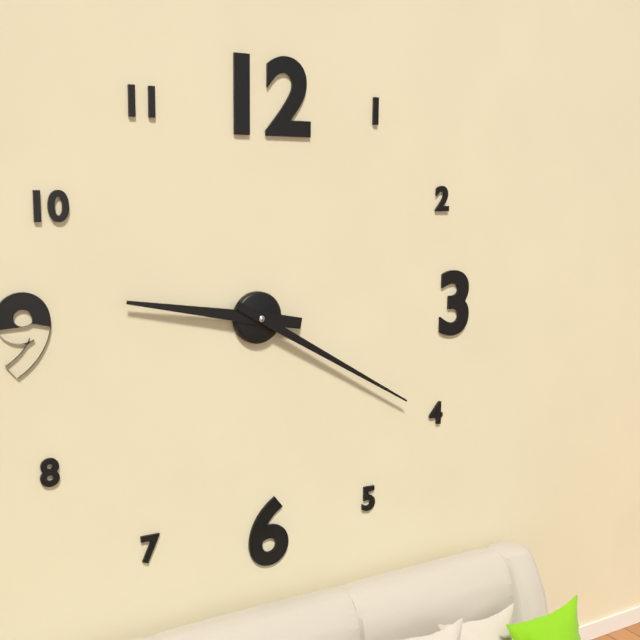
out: 9:20
